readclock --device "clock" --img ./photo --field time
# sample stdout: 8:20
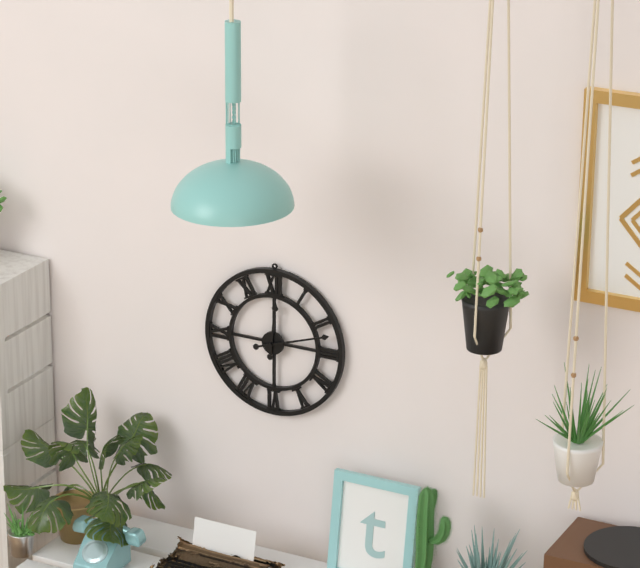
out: 12:12
